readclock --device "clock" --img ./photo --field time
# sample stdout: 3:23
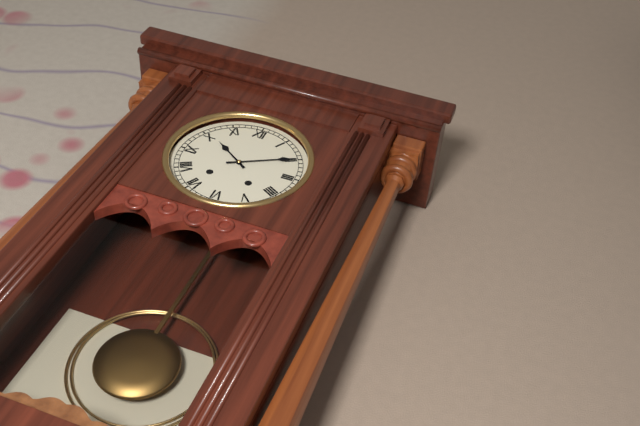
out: 10:10
